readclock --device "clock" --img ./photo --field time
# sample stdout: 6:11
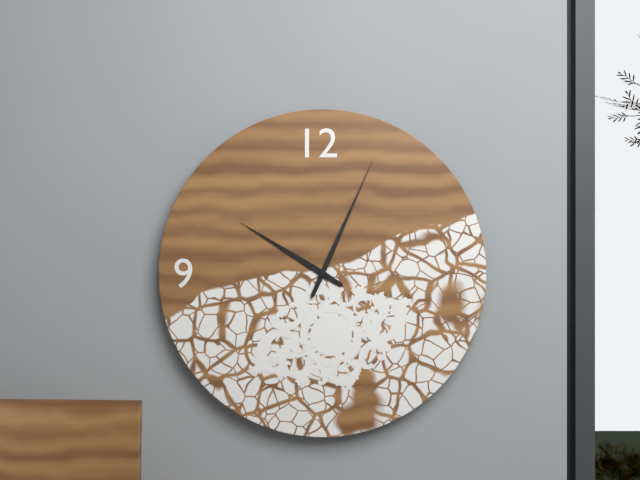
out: 10:04
